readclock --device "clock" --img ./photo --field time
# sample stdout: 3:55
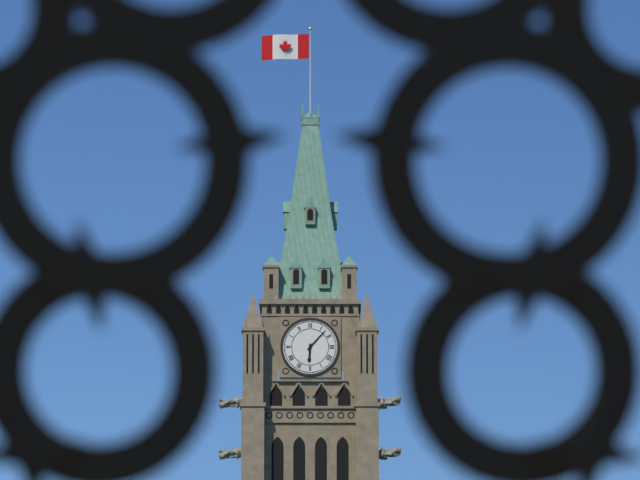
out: 6:07
